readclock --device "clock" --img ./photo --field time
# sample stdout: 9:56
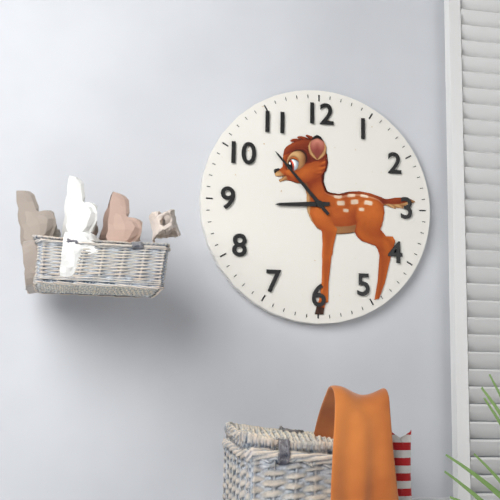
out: 8:53
